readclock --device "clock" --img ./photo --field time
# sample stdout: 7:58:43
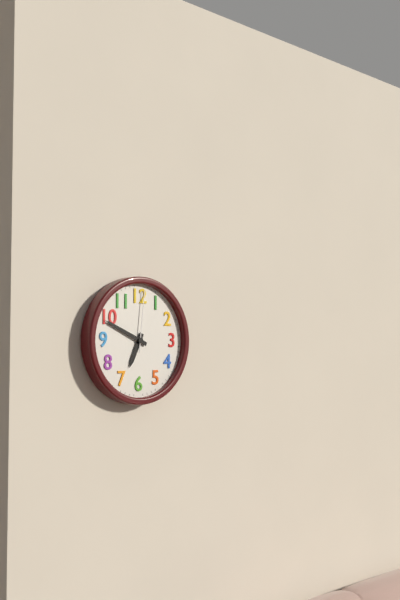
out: 6:49:01
